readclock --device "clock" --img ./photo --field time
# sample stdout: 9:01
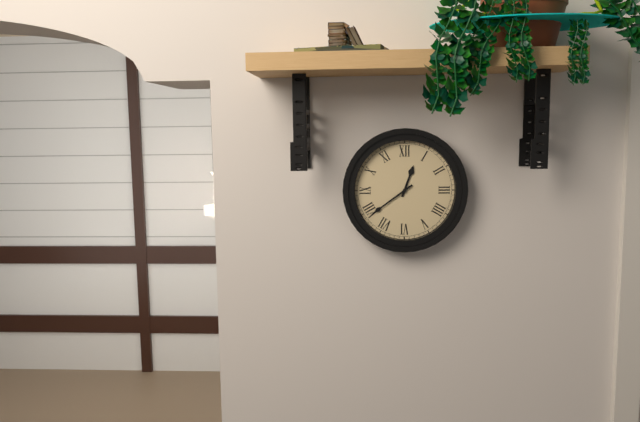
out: 12:39
